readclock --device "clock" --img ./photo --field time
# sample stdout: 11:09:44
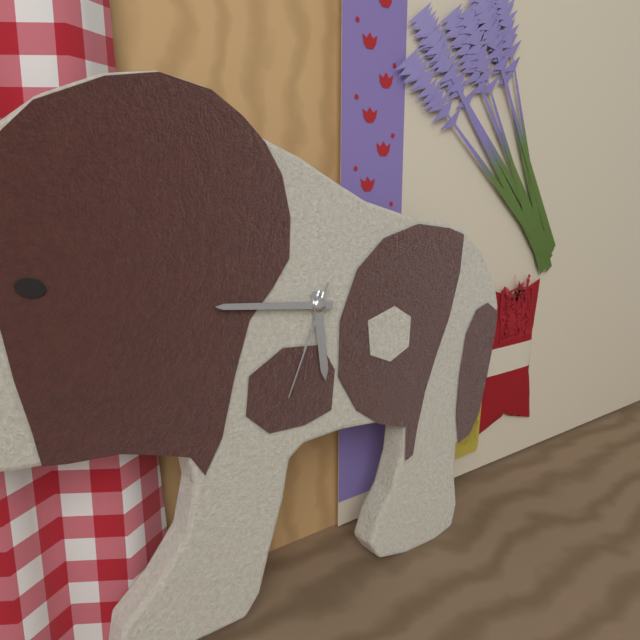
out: 5:46:34
